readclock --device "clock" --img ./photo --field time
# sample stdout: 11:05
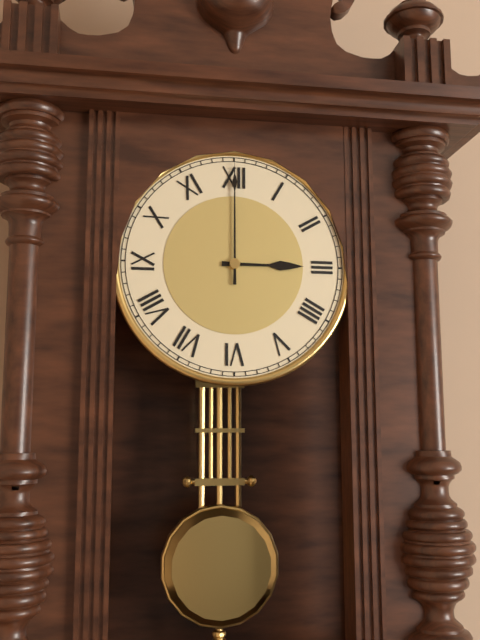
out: 3:00
